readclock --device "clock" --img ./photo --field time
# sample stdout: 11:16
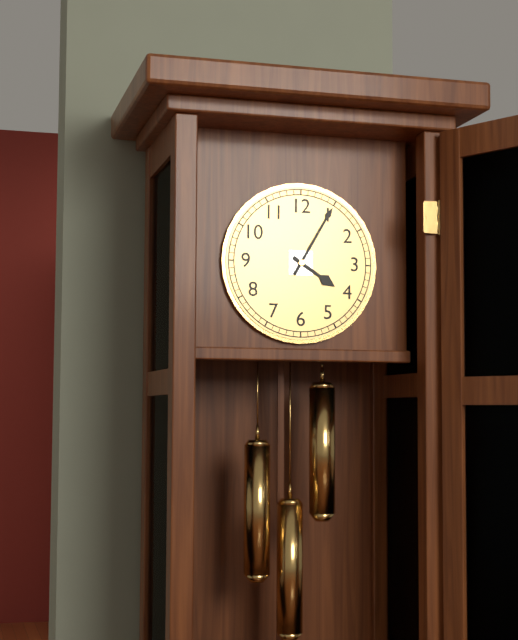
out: 4:05
